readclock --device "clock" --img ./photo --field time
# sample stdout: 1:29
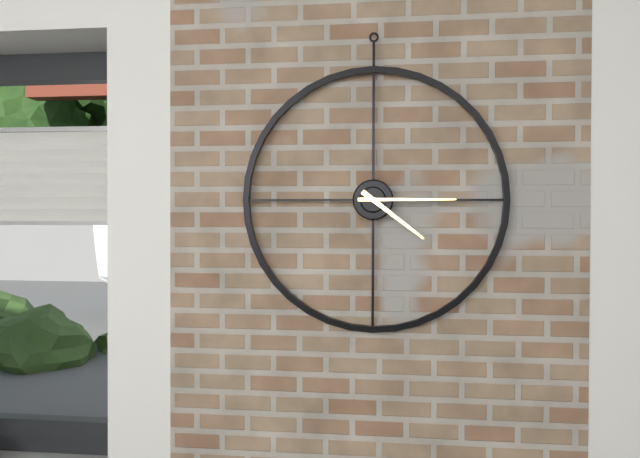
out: 4:15
